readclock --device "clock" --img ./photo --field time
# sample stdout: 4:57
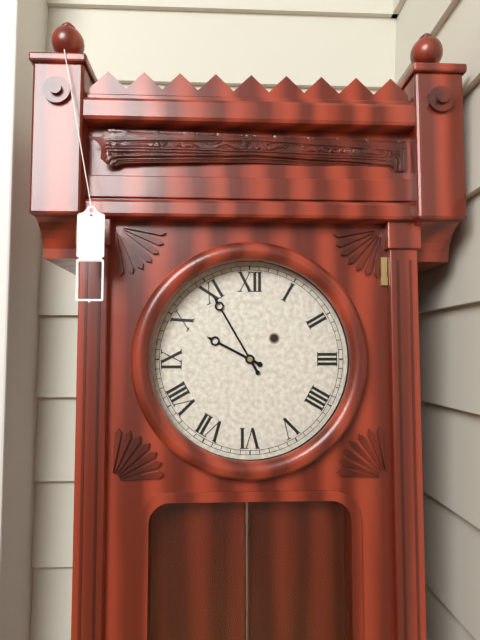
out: 9:55
